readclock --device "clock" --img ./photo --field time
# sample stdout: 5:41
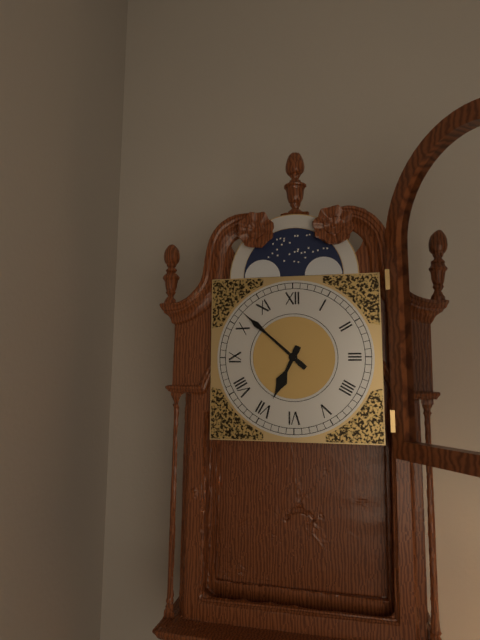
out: 6:52
